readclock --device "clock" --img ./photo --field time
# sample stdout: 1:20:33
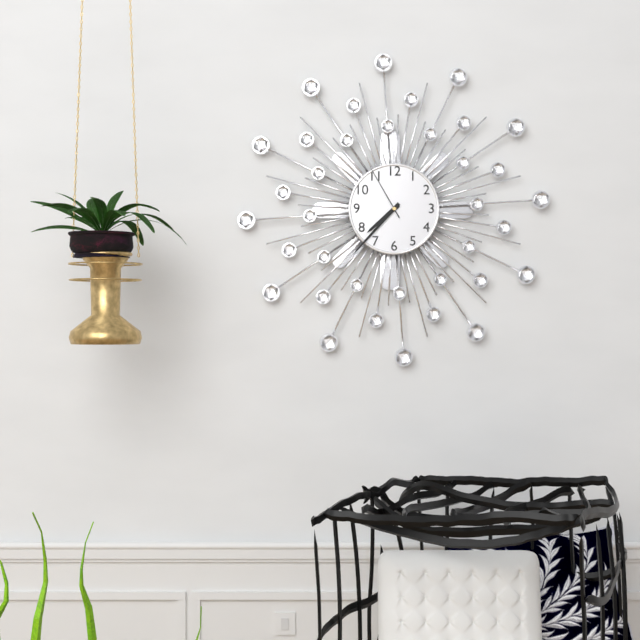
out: 7:37:55
